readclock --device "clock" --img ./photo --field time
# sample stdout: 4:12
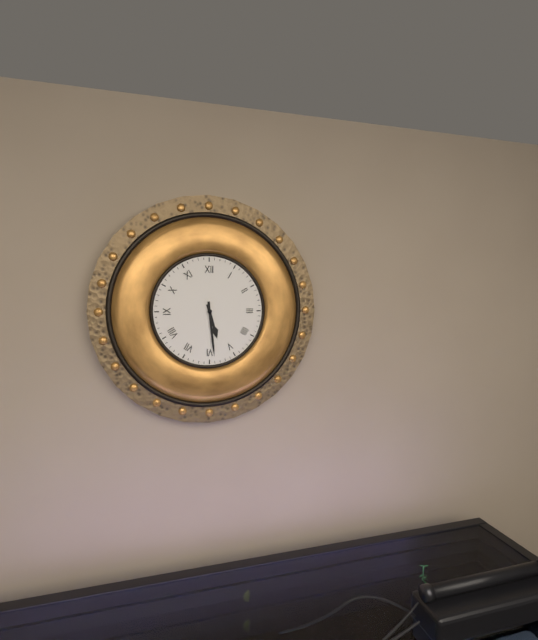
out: 5:29
